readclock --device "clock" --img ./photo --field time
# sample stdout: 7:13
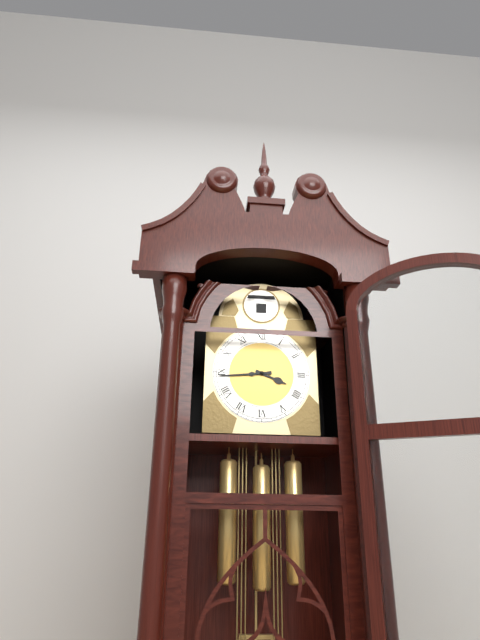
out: 3:44
